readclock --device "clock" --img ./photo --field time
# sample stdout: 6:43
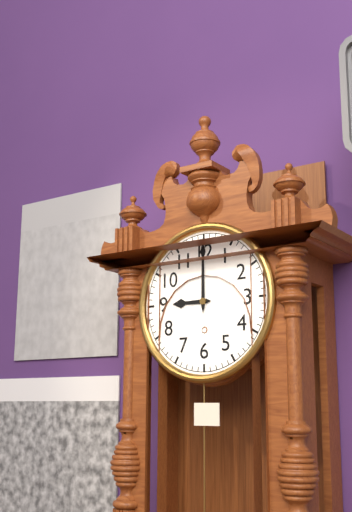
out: 9:00
